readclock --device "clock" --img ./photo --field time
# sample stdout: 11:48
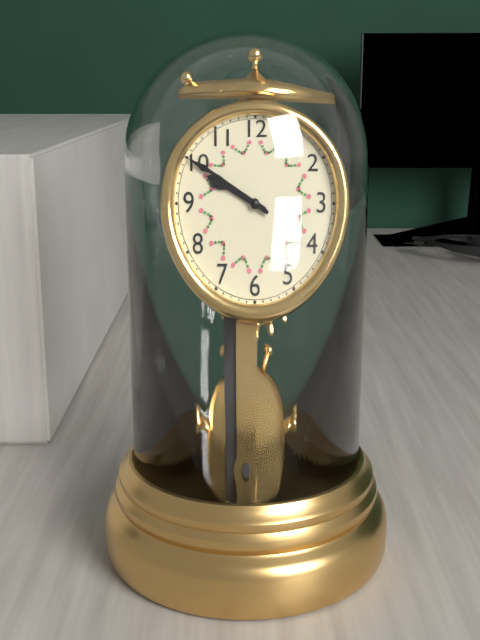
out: 9:50
